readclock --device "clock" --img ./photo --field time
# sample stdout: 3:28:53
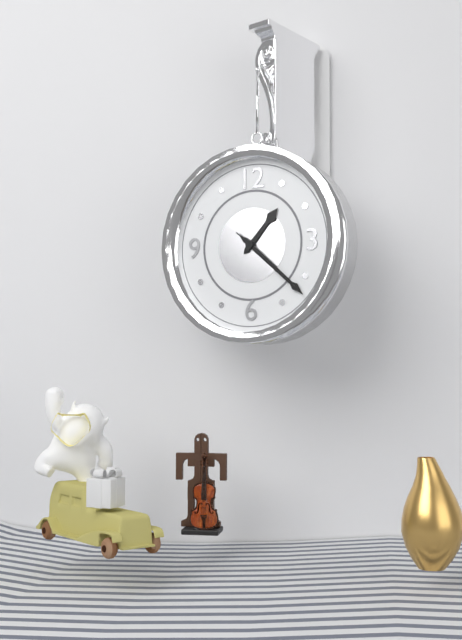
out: 1:22:22
